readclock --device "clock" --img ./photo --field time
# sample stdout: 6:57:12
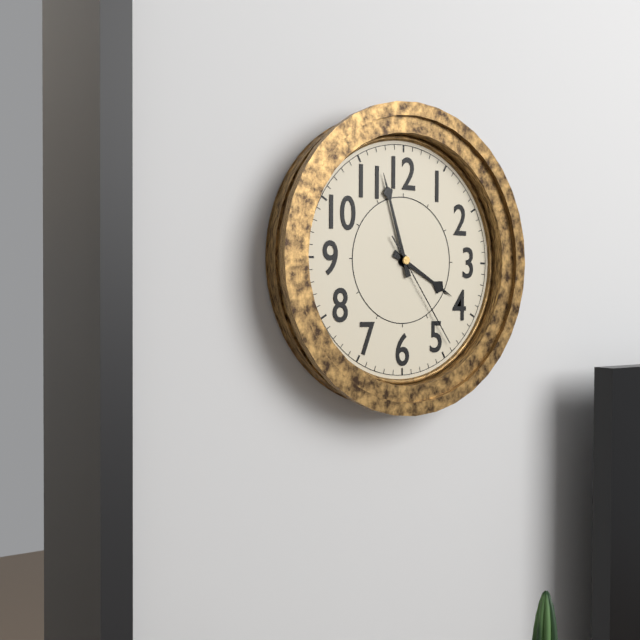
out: 3:57:24
